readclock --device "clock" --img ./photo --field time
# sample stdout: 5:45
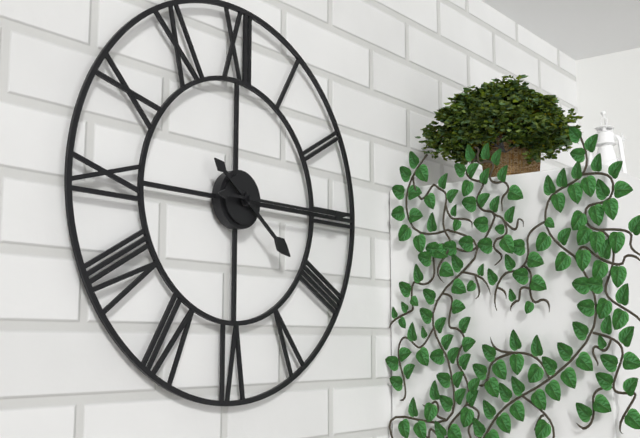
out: 4:15
